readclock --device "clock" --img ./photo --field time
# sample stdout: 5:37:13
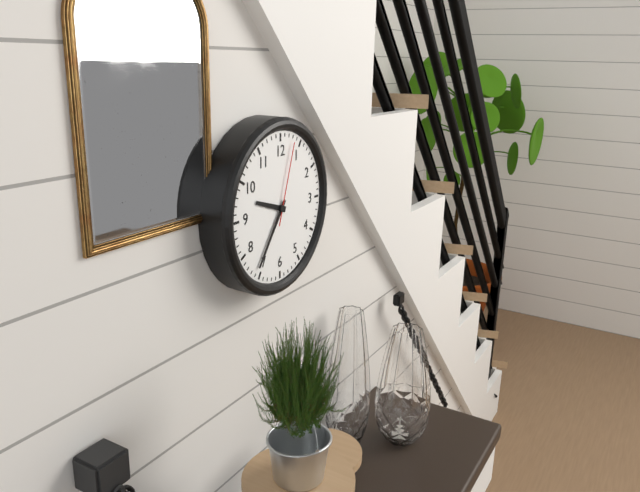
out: 9:36:03
